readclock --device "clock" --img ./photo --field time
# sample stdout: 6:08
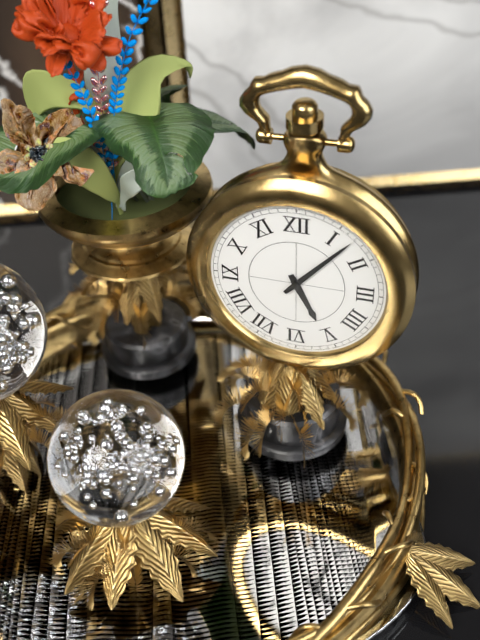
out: 5:07
